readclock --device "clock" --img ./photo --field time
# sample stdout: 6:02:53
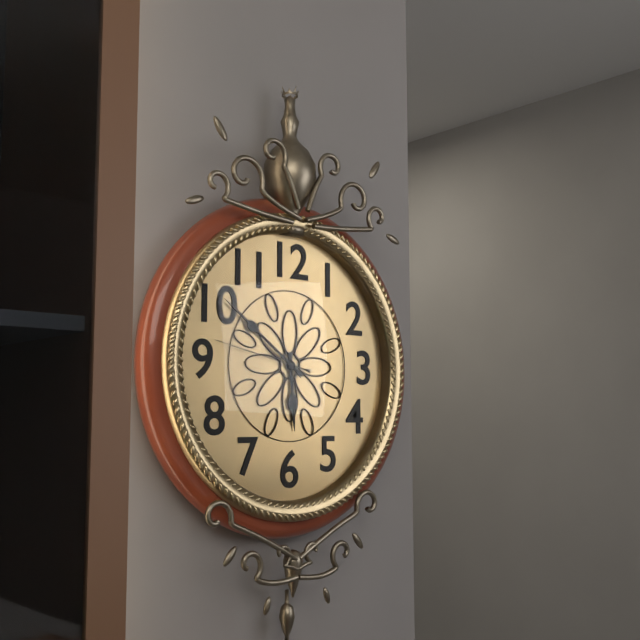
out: 5:51:47
